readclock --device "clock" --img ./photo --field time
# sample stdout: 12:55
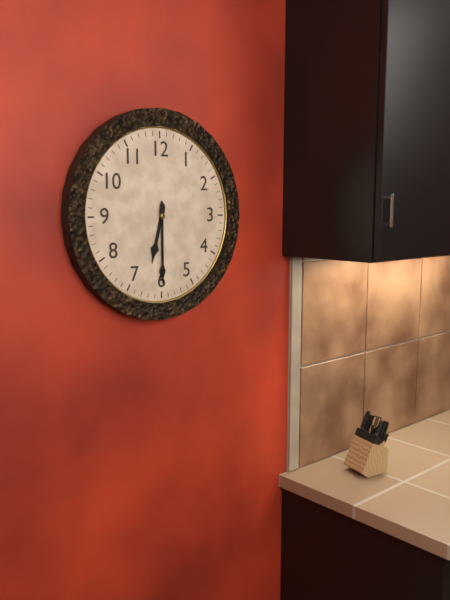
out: 6:30
